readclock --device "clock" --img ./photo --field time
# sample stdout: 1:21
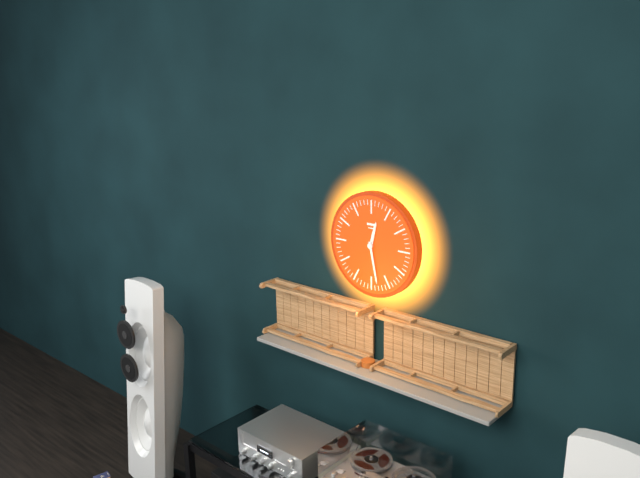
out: 12:28
